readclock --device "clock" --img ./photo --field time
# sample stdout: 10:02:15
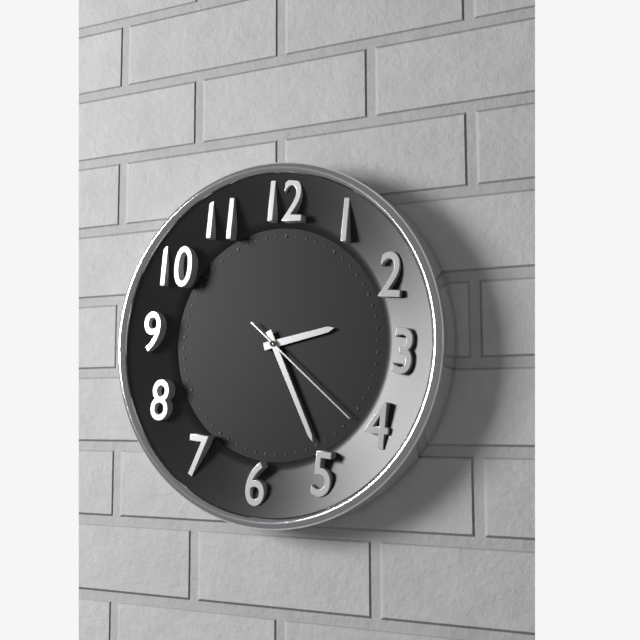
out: 2:25:21
